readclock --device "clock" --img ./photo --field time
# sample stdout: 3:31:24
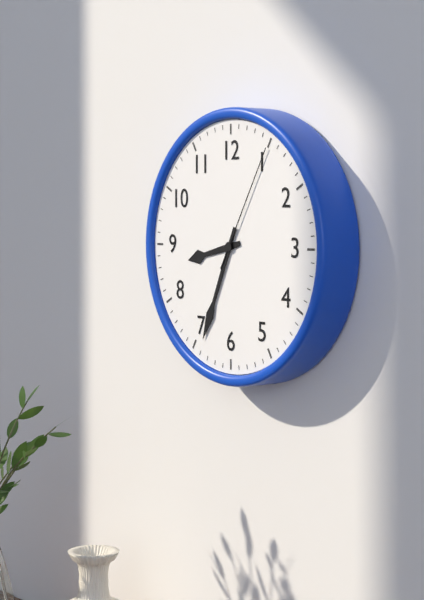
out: 8:34:05
